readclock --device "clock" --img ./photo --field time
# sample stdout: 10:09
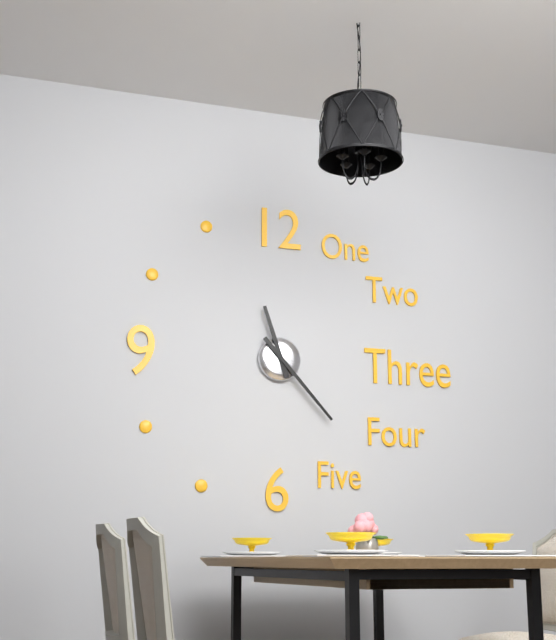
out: 11:23
